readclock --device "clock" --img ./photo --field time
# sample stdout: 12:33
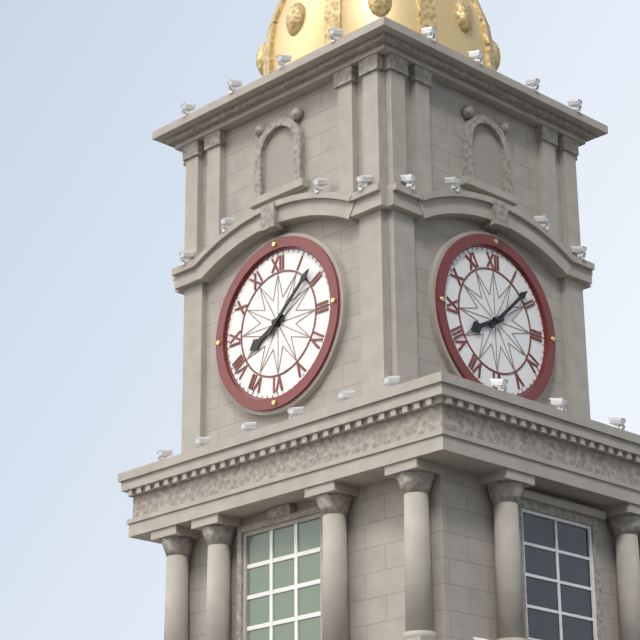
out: 8:08
